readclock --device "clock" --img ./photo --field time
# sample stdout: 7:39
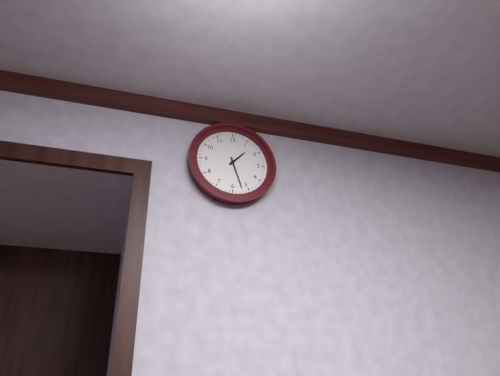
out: 1:27
